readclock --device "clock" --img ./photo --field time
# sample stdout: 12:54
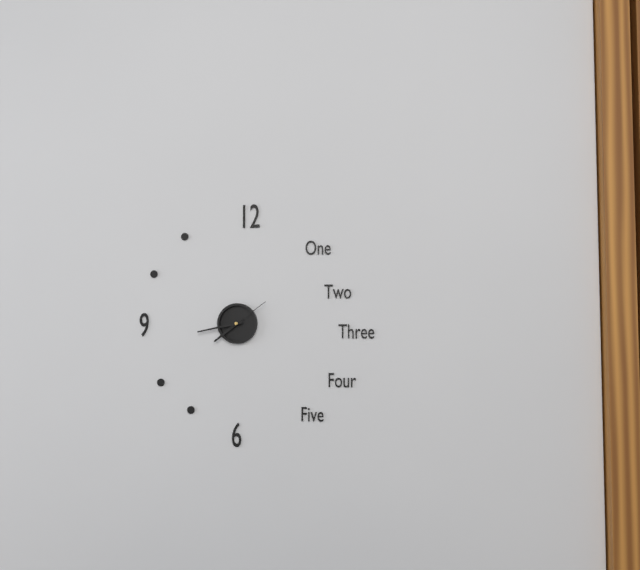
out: 7:43
